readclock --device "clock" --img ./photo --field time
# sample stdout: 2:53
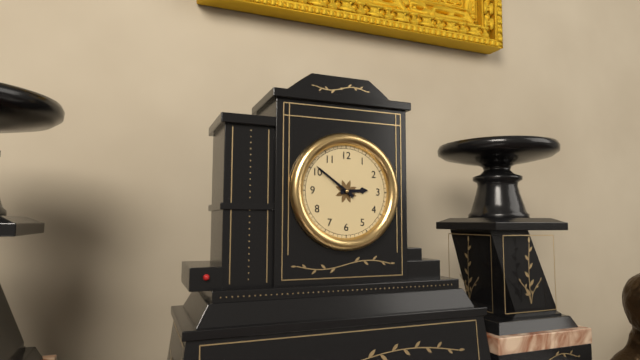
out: 2:51
